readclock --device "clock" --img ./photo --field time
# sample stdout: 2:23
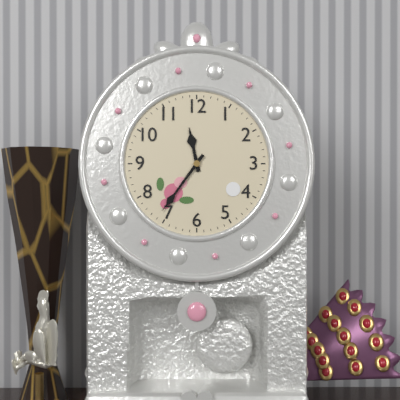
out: 11:36
